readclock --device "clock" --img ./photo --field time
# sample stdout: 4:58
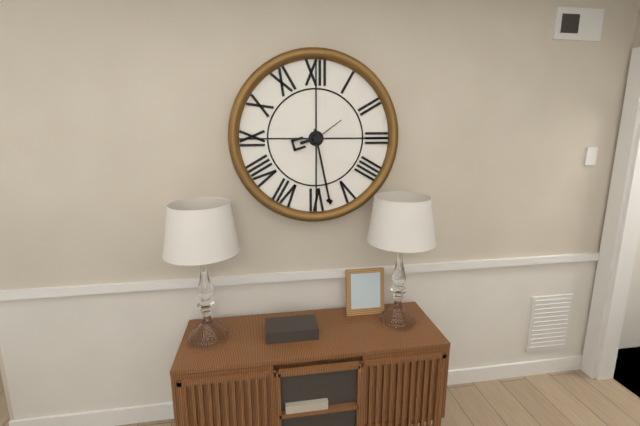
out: 8:28
